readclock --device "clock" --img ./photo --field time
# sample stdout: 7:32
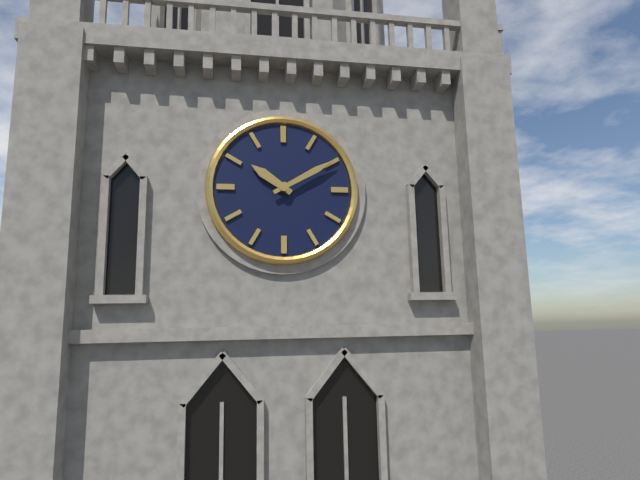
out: 10:10
